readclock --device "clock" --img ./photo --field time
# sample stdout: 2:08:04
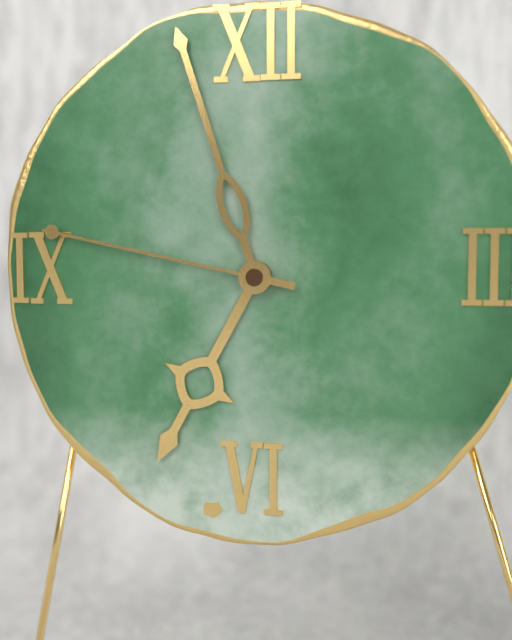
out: 6:57:47
